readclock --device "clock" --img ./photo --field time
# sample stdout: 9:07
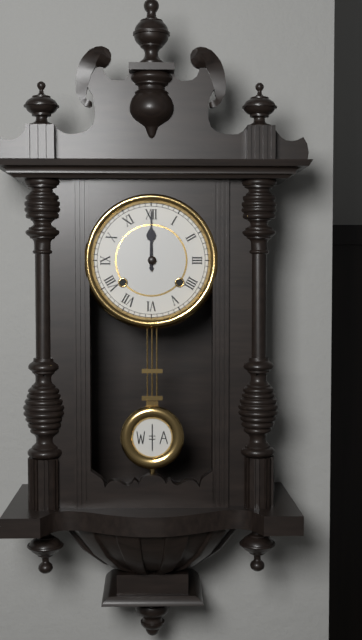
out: 12:00
